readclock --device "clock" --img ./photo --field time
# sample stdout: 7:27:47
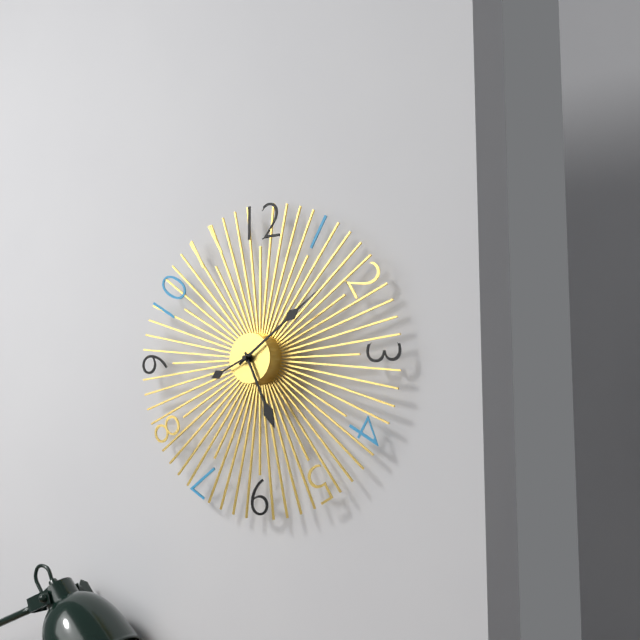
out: 5:09:41
